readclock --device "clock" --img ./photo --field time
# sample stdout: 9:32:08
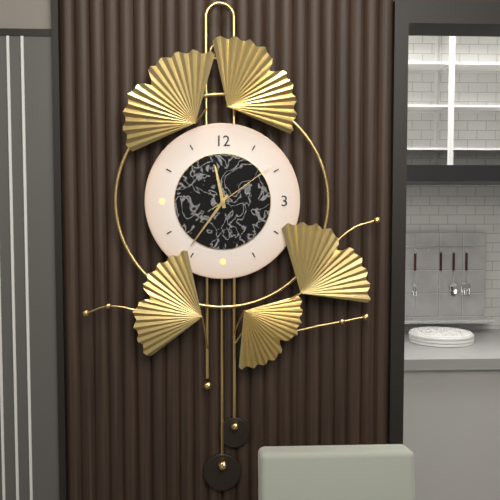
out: 11:36:09
